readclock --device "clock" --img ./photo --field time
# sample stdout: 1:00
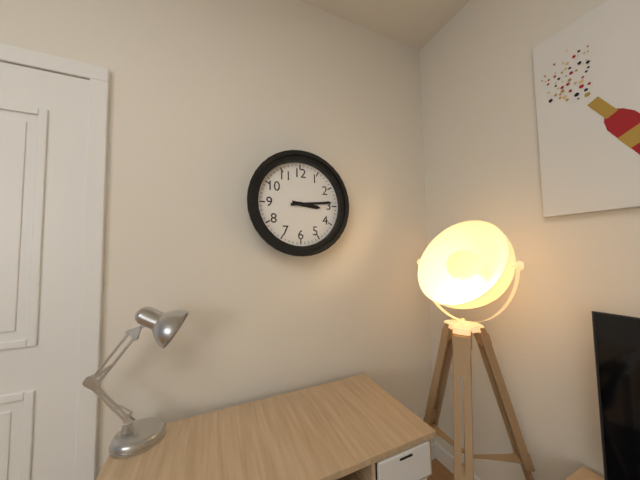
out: 3:14
